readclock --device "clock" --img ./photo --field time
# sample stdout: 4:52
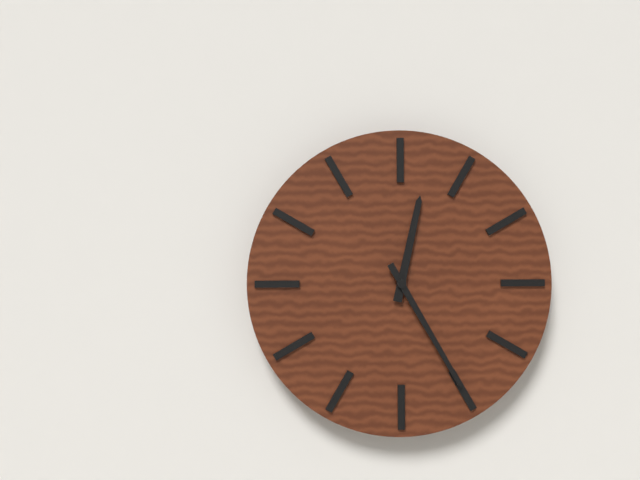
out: 12:25
